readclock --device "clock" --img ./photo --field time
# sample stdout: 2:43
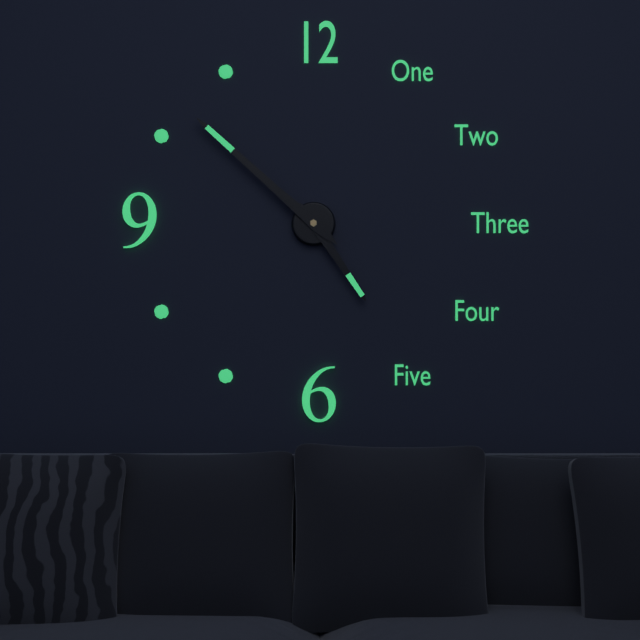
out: 4:52
